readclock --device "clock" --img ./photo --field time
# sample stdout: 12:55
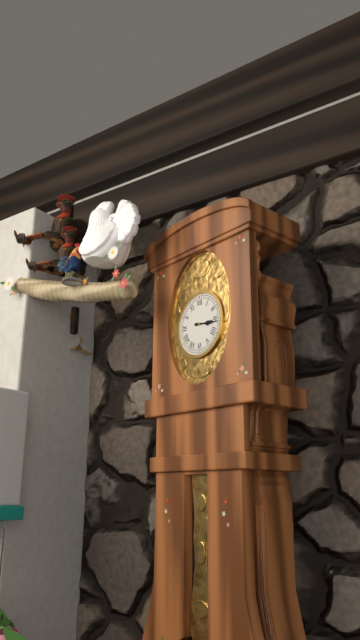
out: 3:16
